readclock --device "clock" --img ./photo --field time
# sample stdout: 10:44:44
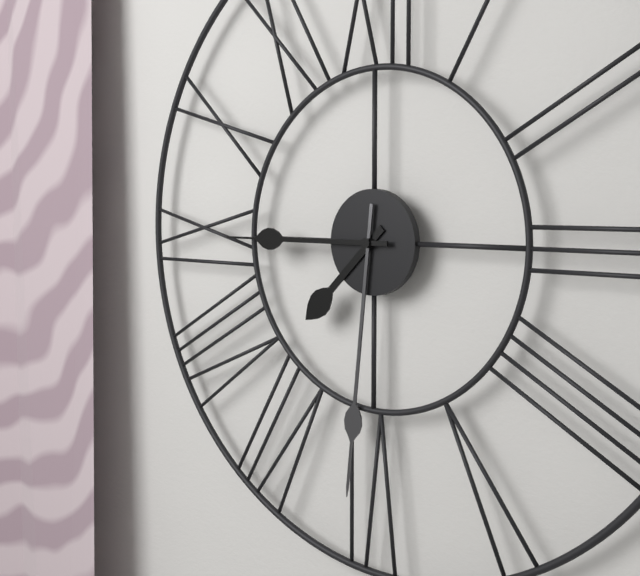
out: 7:31:45
